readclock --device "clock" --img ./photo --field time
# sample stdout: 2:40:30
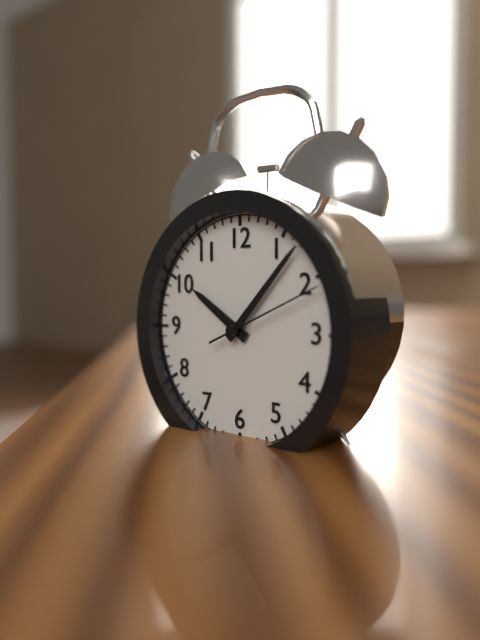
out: 10:07:11
